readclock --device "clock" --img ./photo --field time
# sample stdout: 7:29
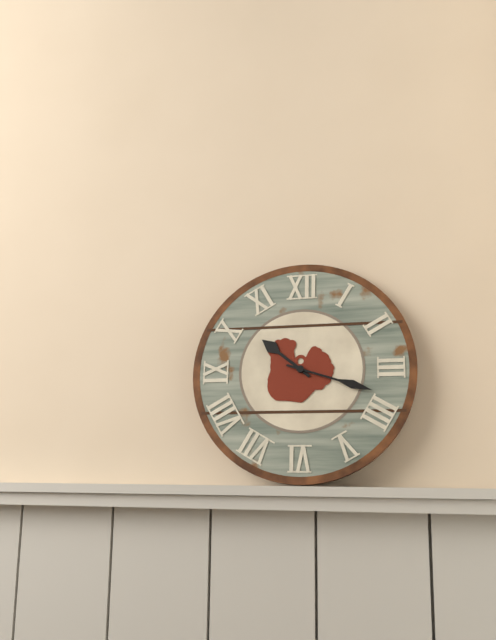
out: 10:18
